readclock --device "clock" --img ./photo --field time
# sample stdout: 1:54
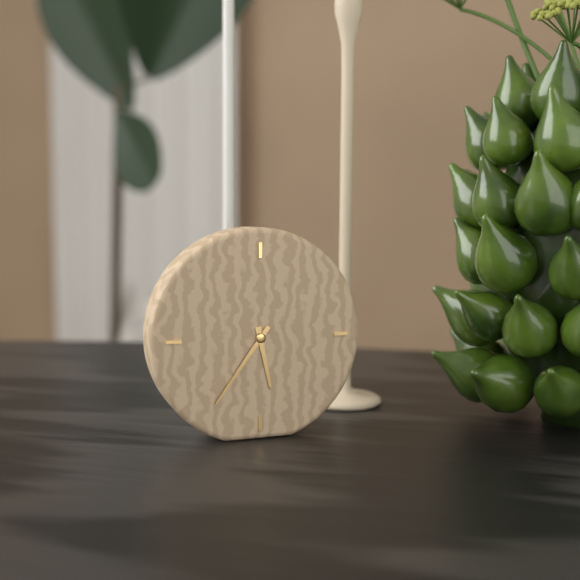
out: 5:36
